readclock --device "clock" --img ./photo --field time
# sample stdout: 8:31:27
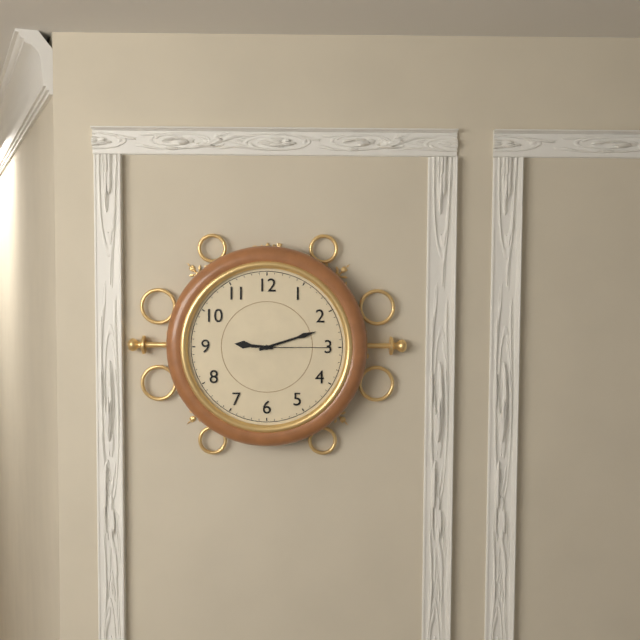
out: 9:12:15
